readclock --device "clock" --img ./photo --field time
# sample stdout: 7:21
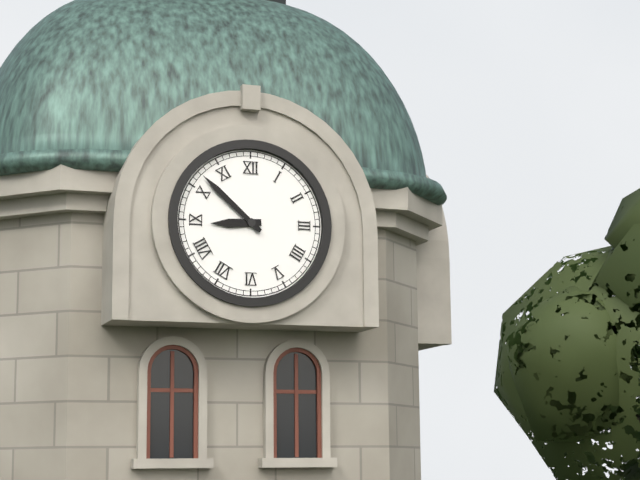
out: 8:52
